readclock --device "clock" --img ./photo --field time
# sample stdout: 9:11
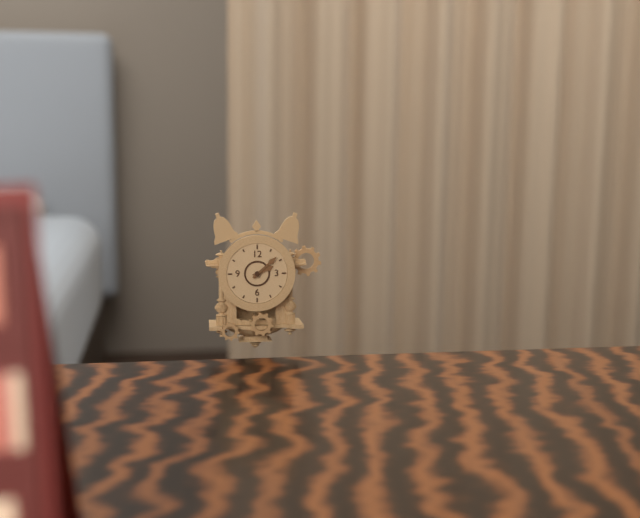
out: 2:08
